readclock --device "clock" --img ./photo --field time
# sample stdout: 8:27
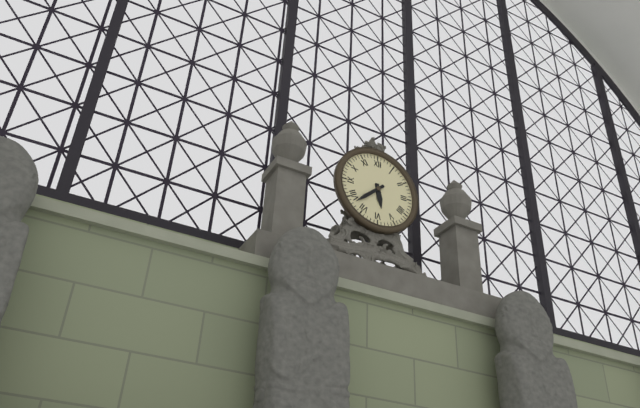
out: 5:38
